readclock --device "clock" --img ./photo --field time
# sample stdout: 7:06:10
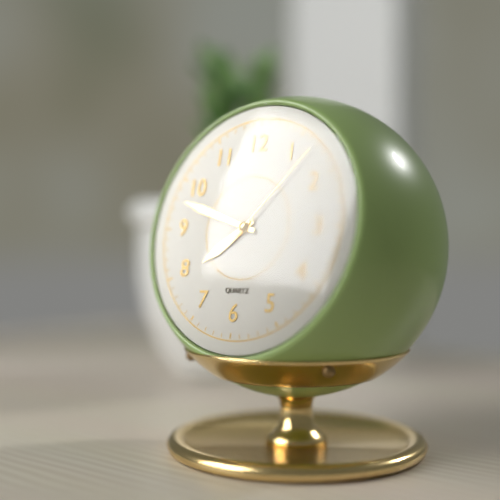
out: 7:48:07
